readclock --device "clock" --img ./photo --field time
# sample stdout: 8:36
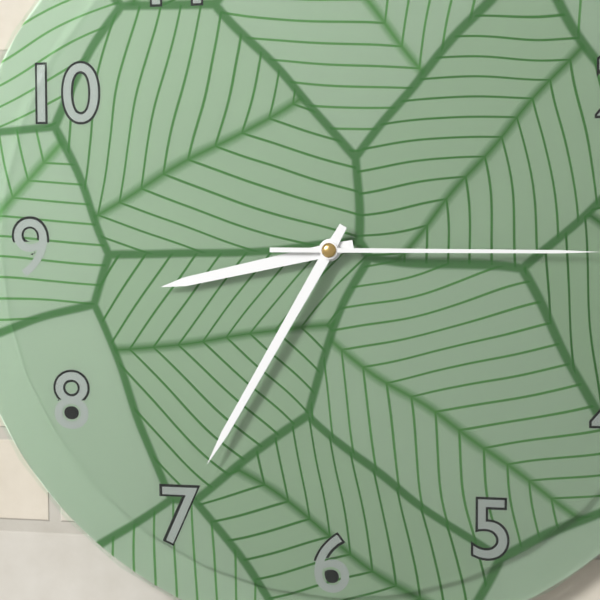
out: 8:35
